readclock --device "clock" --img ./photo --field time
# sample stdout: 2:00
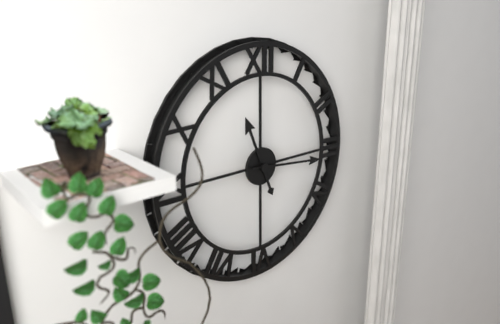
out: 11:16
